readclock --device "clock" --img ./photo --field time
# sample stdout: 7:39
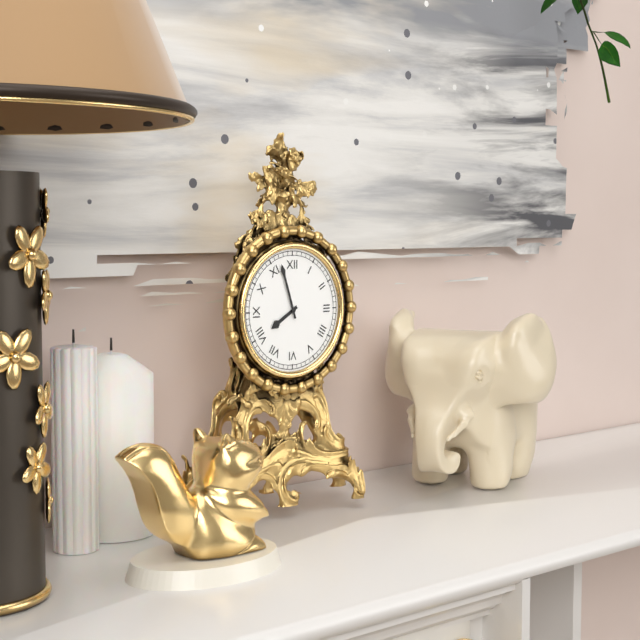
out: 7:57
